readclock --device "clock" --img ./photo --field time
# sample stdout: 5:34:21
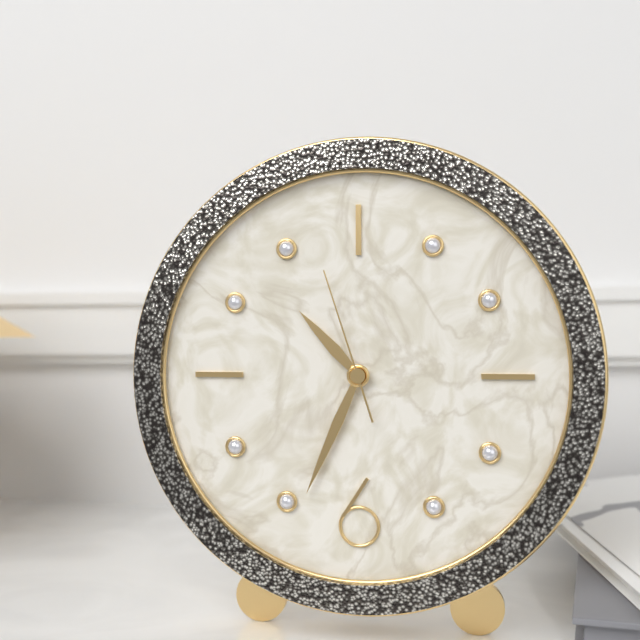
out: 10:34:57
